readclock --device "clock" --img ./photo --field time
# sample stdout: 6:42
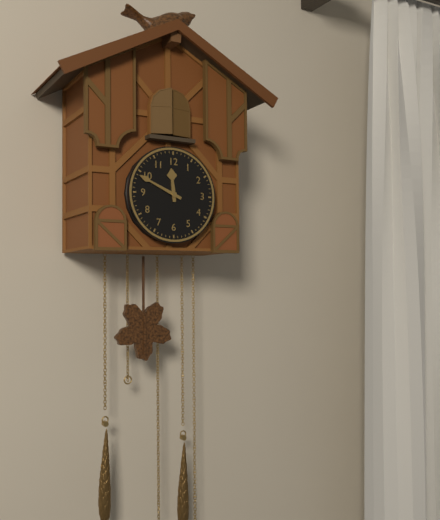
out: 11:49
